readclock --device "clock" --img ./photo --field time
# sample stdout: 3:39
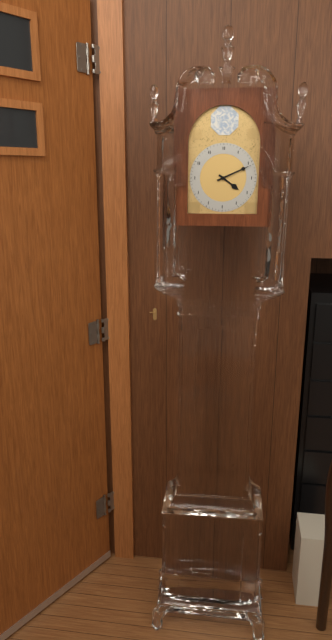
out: 4:11
